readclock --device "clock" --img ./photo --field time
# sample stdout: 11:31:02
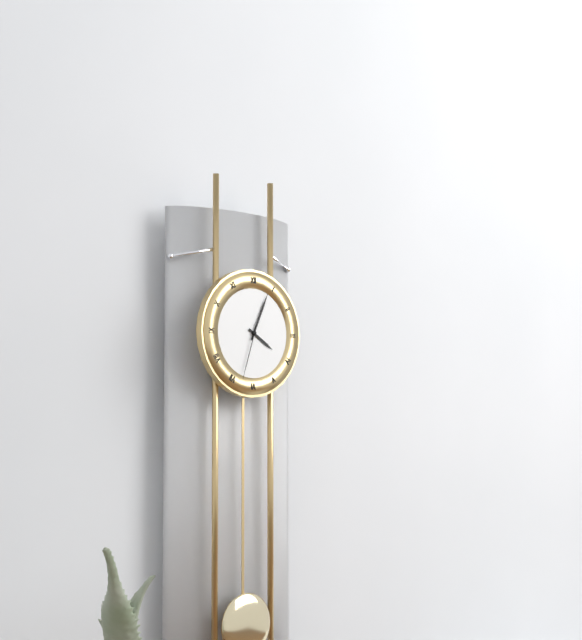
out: 4:04:33
